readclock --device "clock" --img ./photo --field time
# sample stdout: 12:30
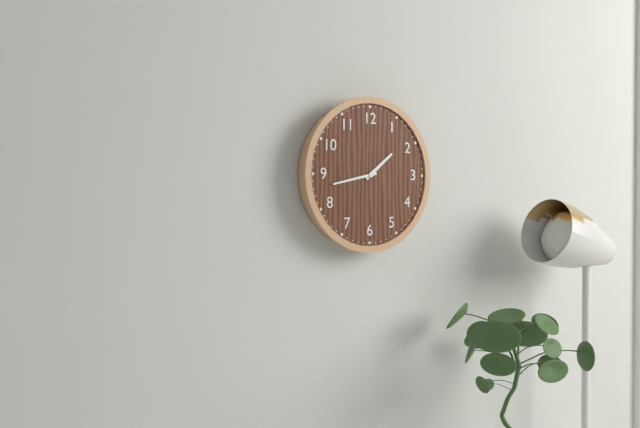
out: 1:43
